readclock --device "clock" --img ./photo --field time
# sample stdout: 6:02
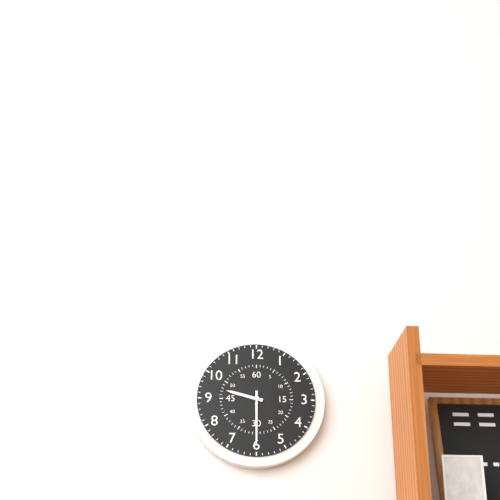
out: 9:30
